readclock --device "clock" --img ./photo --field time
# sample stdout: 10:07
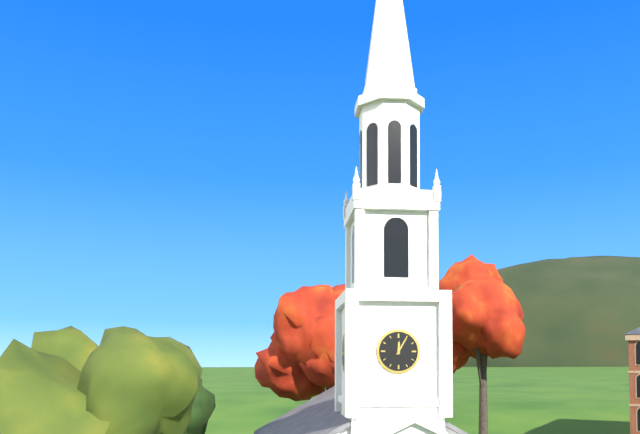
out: 12:05
